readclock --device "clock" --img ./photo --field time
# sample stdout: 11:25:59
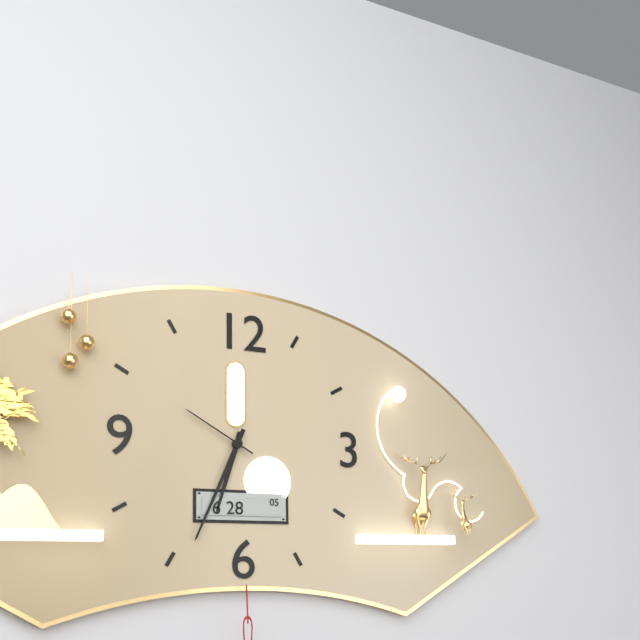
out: 6:34:50
